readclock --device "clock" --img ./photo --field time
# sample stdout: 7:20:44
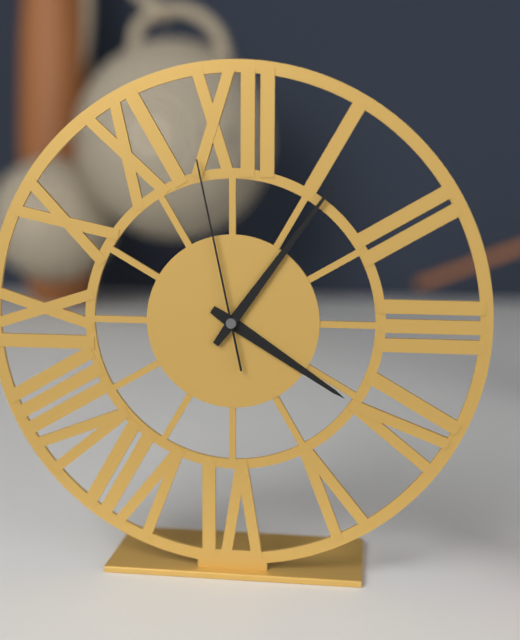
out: 4:06:58
